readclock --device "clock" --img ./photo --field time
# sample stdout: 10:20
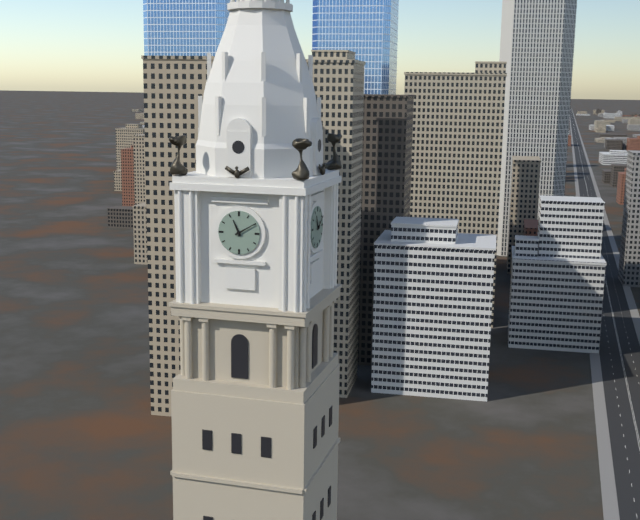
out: 11:10
